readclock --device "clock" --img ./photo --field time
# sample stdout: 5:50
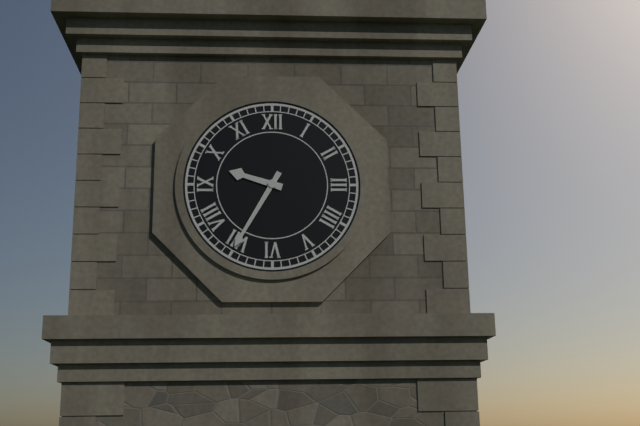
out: 9:35
